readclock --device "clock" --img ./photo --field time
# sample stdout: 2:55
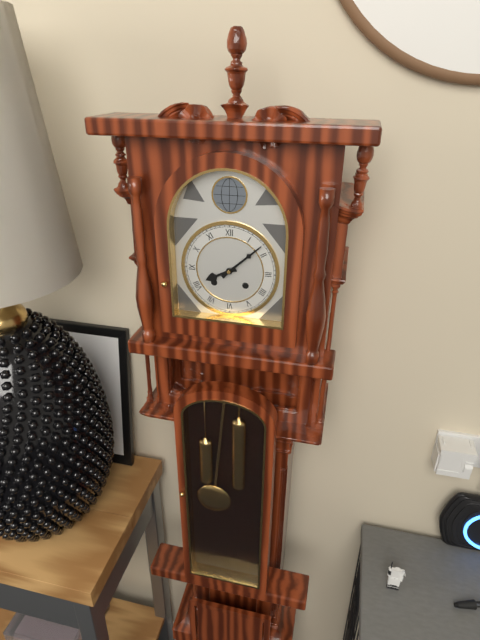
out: 8:08
